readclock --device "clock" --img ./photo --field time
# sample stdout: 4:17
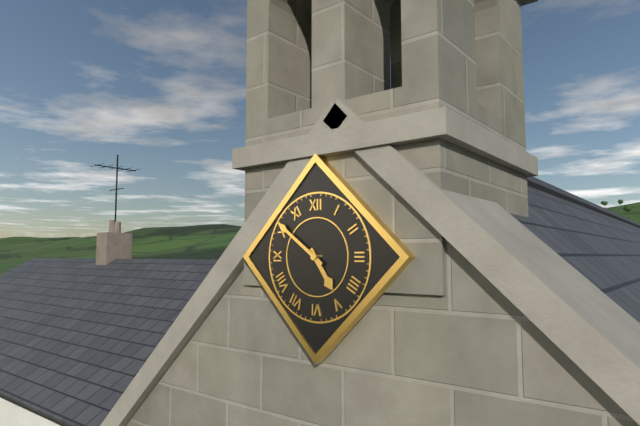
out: 4:51
